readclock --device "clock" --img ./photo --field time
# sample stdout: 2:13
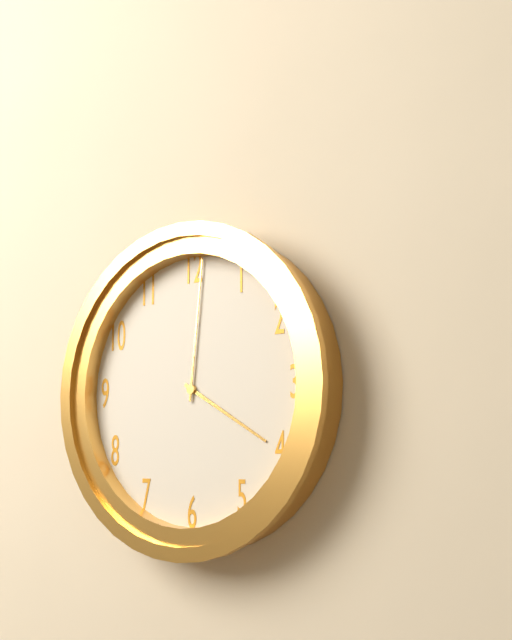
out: 4:01
